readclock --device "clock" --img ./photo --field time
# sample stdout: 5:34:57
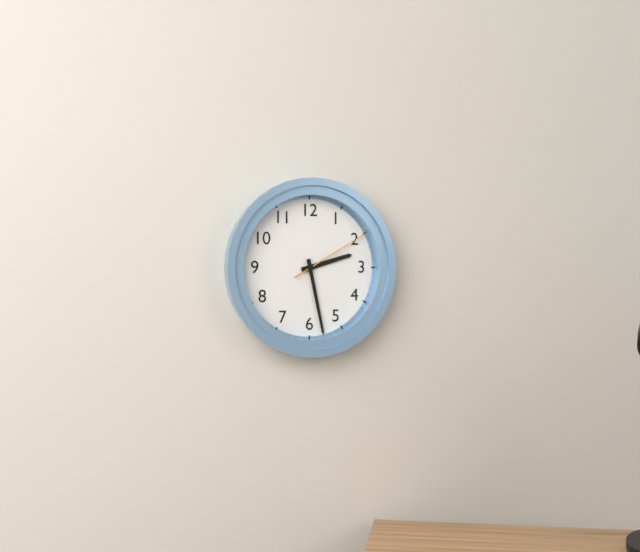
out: 2:28:10
